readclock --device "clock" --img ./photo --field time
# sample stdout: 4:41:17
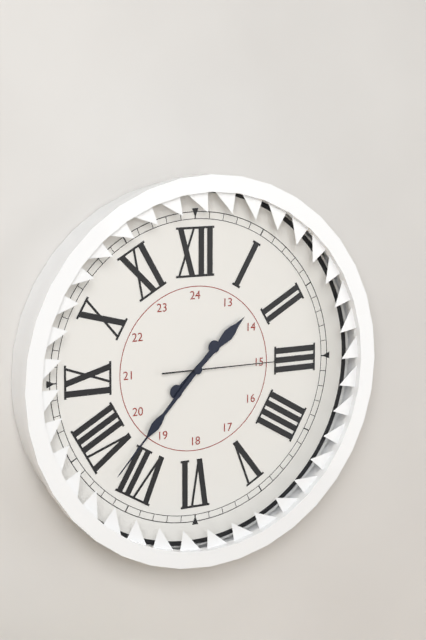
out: 1:37:15
